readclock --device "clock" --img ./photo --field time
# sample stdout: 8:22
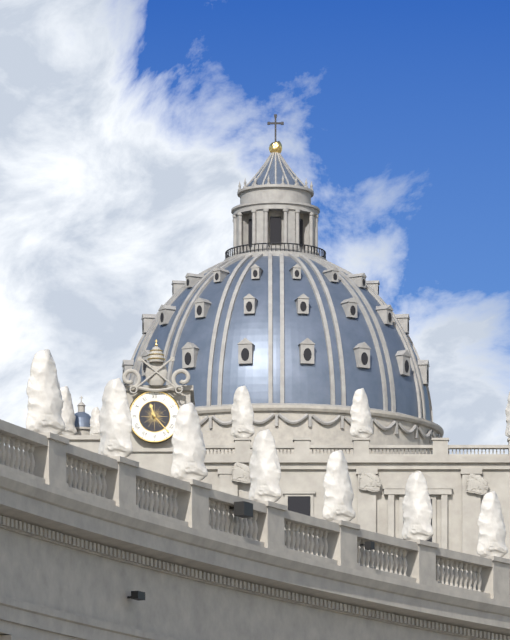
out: 11:23
